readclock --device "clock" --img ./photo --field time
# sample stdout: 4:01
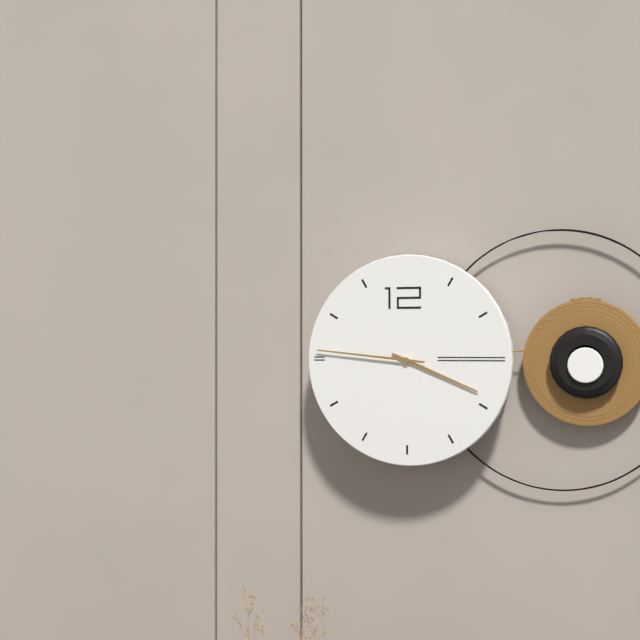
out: 3:46
